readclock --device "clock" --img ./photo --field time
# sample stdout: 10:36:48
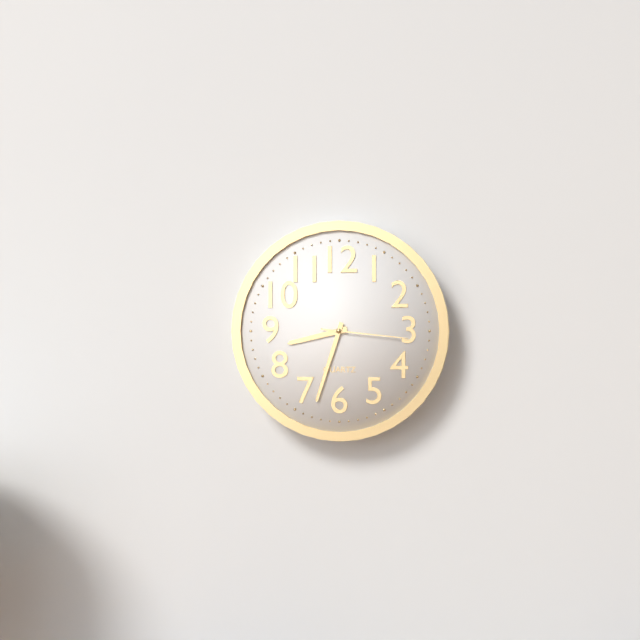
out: 8:33:16
